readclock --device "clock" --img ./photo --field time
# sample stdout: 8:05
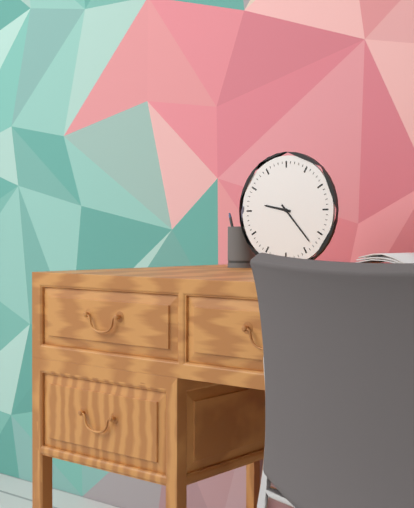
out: 9:23
